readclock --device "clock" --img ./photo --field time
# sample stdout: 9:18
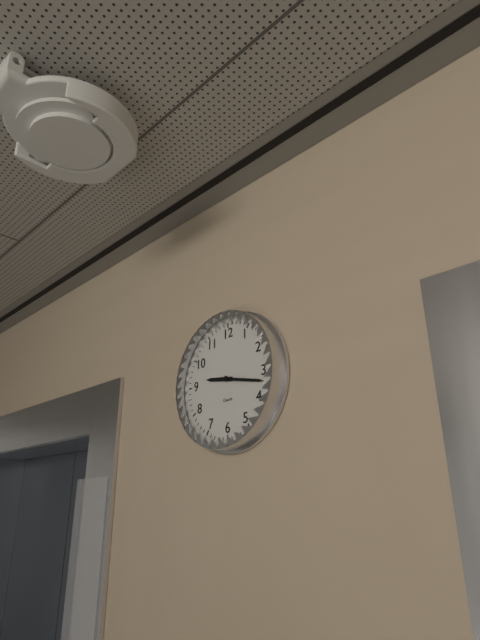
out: 9:17
